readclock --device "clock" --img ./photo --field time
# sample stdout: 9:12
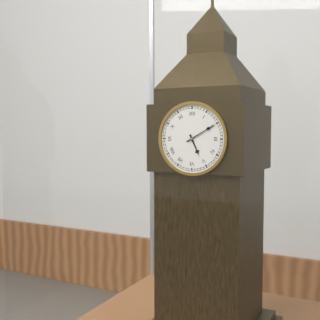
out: 5:10
